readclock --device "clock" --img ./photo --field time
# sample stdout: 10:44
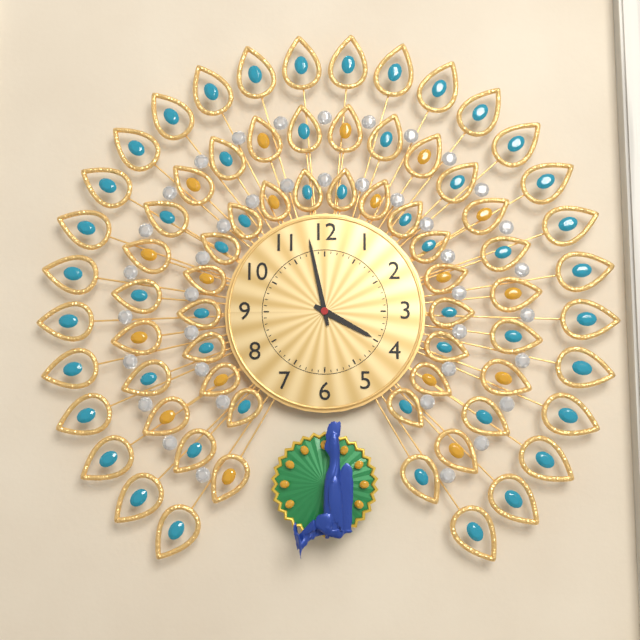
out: 3:58
